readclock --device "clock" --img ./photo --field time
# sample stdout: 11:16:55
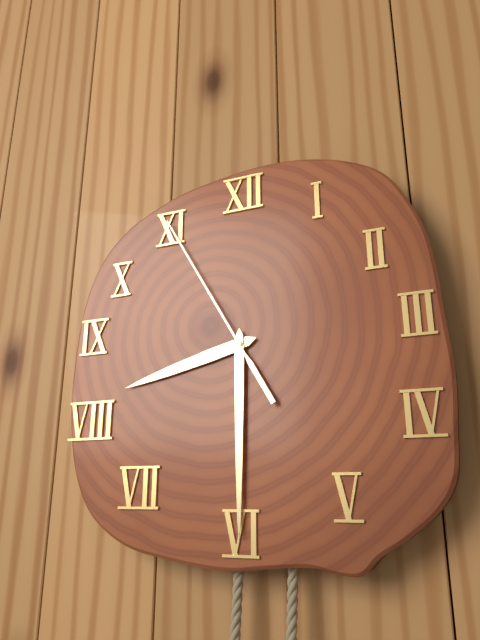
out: 8:30:55
